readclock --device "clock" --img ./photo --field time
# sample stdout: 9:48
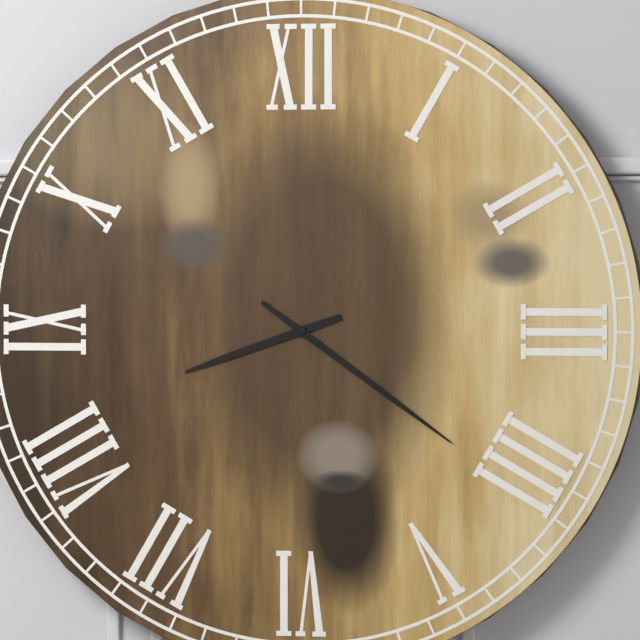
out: 8:21
